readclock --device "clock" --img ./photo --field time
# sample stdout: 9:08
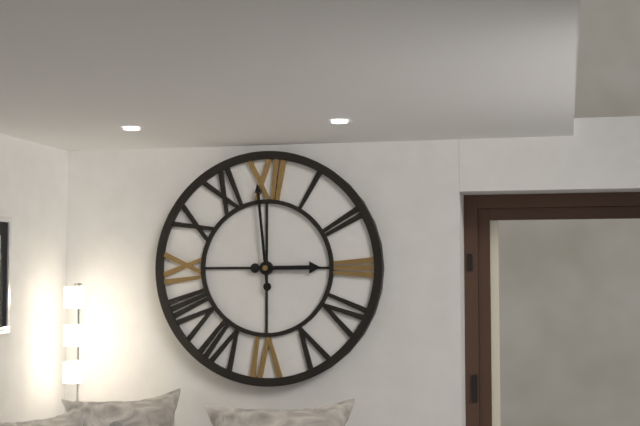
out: 2:59
